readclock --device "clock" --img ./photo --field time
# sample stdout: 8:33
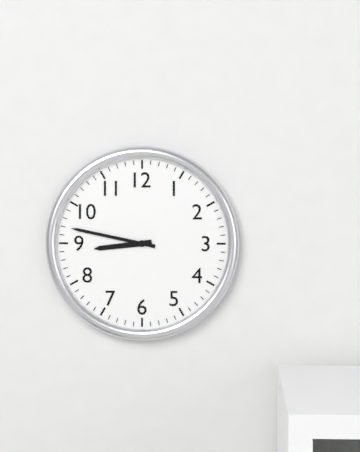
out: 8:47
